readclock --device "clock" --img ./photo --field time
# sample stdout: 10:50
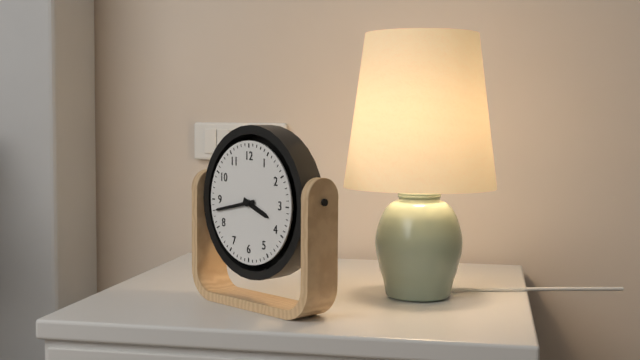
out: 3:43
